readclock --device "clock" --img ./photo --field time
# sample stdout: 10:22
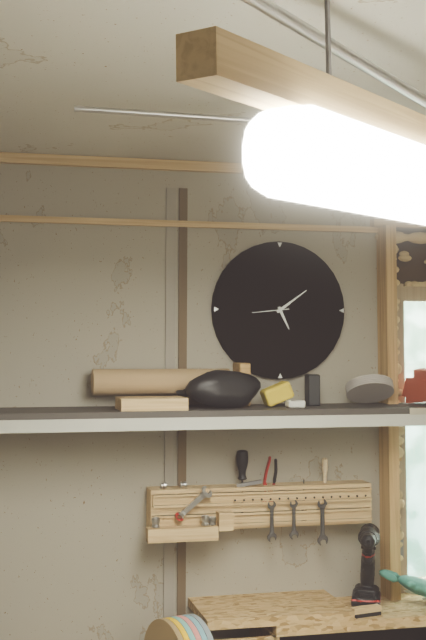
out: 5:09
